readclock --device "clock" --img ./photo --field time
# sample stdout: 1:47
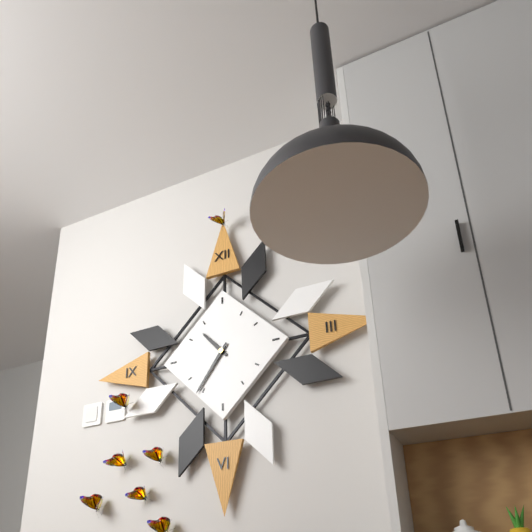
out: 10:36
